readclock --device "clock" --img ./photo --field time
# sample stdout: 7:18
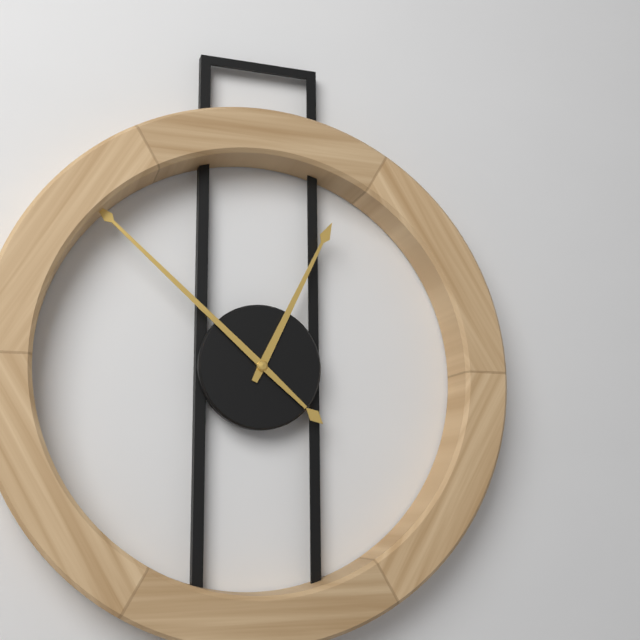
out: 12:52
